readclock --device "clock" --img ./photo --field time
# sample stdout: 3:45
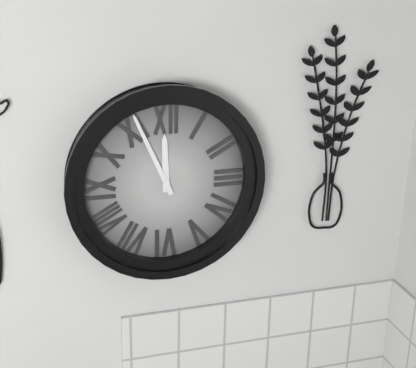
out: 11:56
